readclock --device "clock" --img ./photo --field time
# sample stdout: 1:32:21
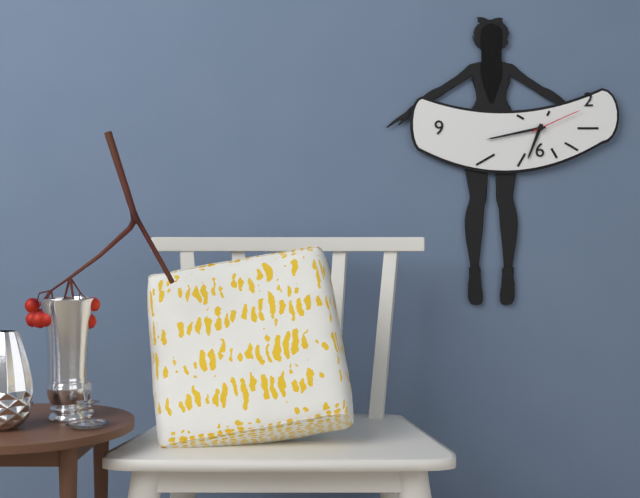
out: 6:43:11
